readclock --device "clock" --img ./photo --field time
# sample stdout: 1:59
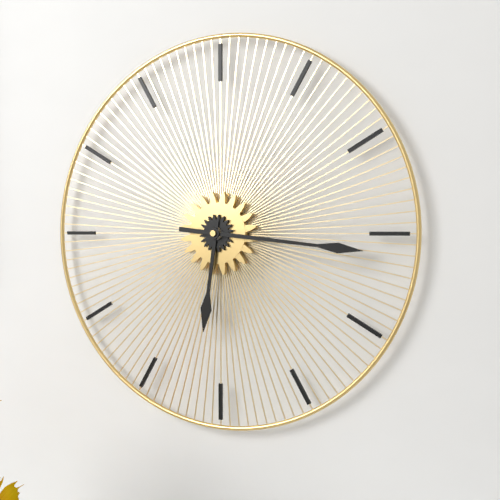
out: 6:16
